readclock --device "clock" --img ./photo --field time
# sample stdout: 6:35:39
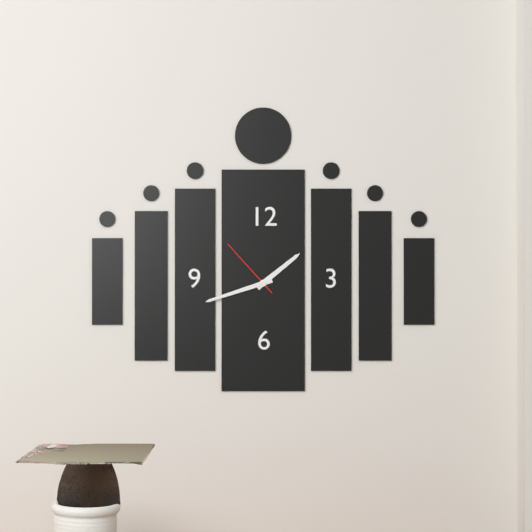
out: 1:42:53
